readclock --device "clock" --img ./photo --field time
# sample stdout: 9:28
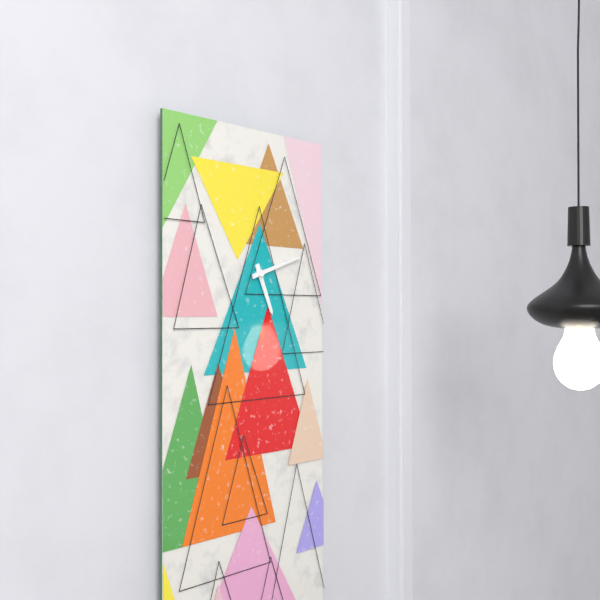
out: 5:12
